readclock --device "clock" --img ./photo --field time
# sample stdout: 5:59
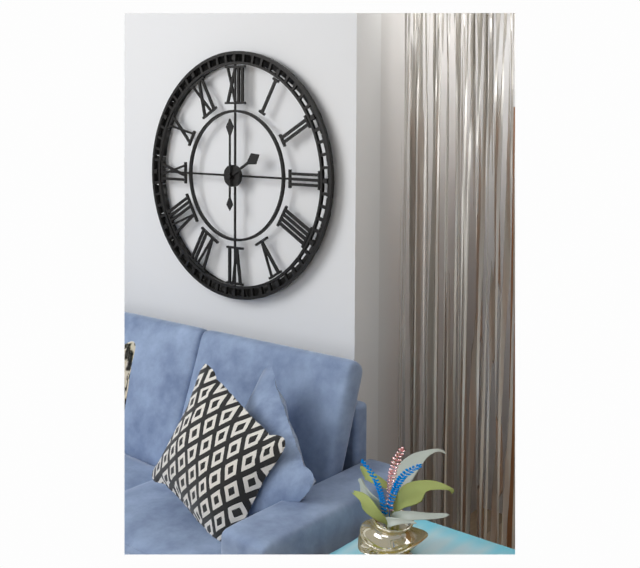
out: 2:00
